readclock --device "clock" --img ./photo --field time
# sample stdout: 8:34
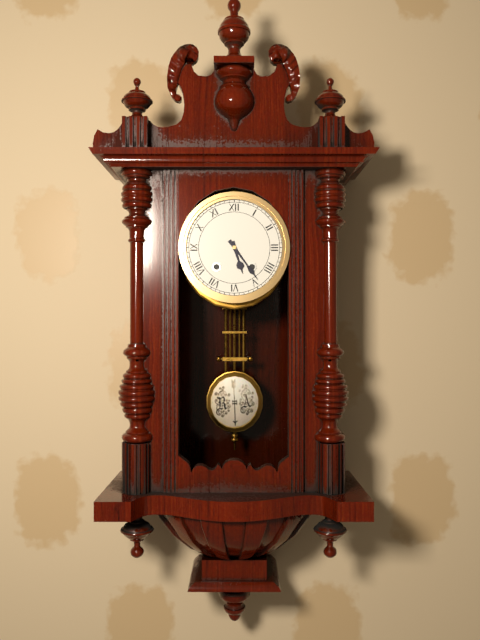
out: 5:24
